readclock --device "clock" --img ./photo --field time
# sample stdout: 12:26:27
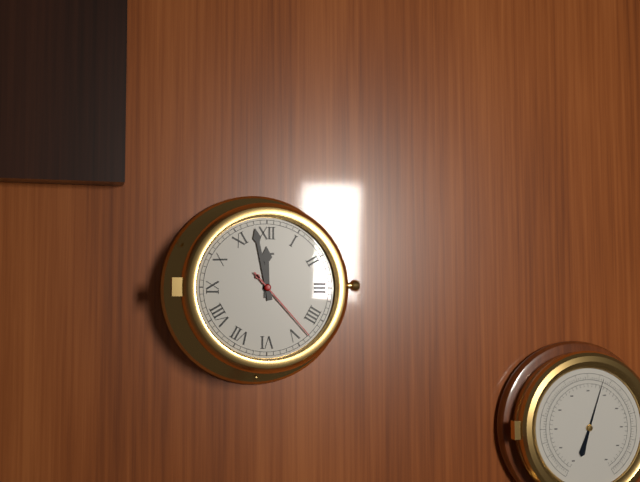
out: 11:58:23
